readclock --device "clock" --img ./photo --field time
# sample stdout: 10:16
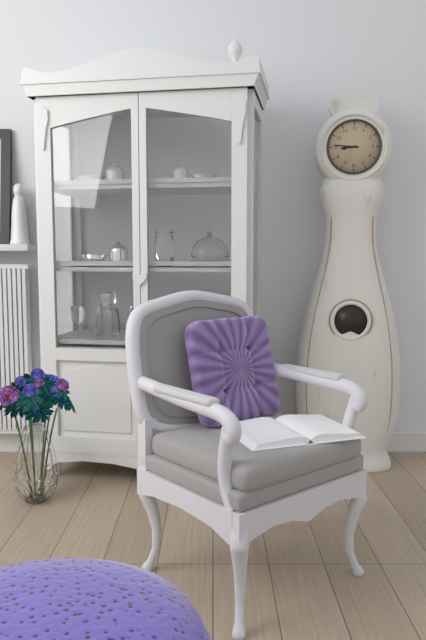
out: 8:46
